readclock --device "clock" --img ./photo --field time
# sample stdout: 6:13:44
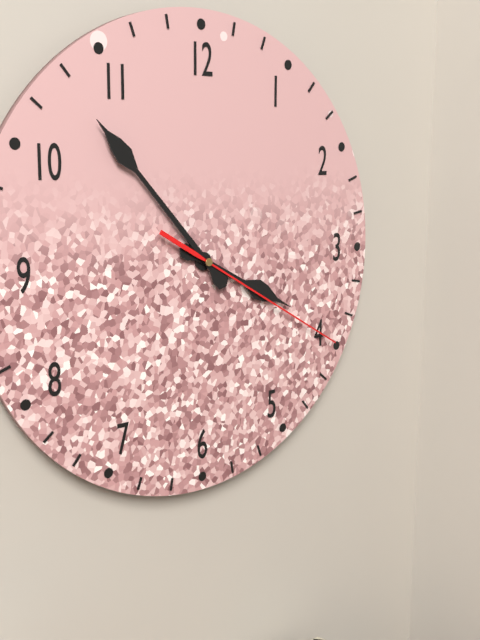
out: 3:53:20
